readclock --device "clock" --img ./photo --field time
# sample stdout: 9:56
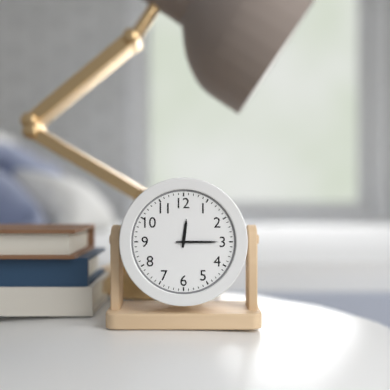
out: 12:15
